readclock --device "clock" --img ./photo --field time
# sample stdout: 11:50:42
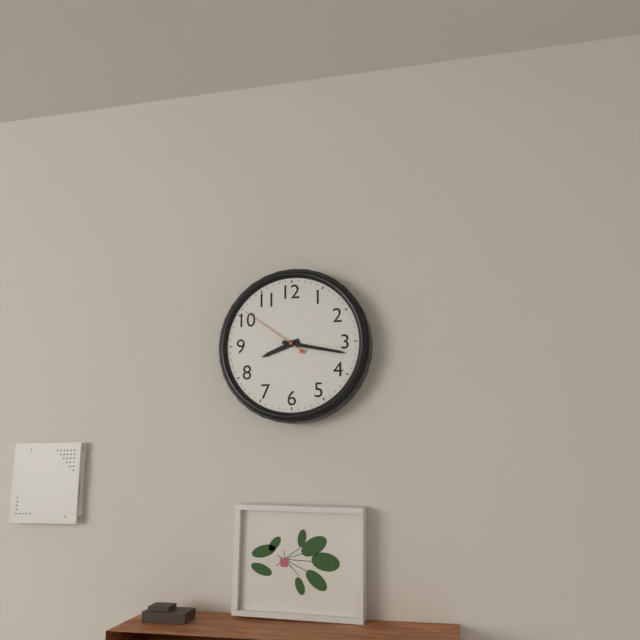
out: 8:17:51
